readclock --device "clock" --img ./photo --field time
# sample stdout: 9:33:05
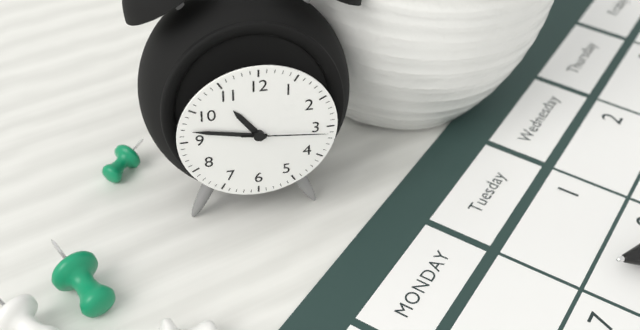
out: 10:47:16
